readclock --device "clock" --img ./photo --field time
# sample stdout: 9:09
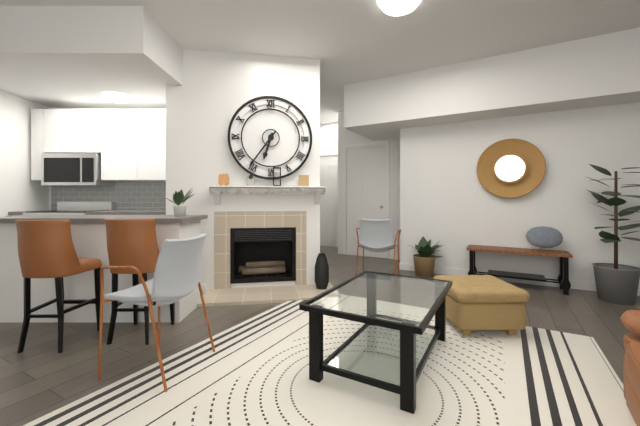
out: 6:36
